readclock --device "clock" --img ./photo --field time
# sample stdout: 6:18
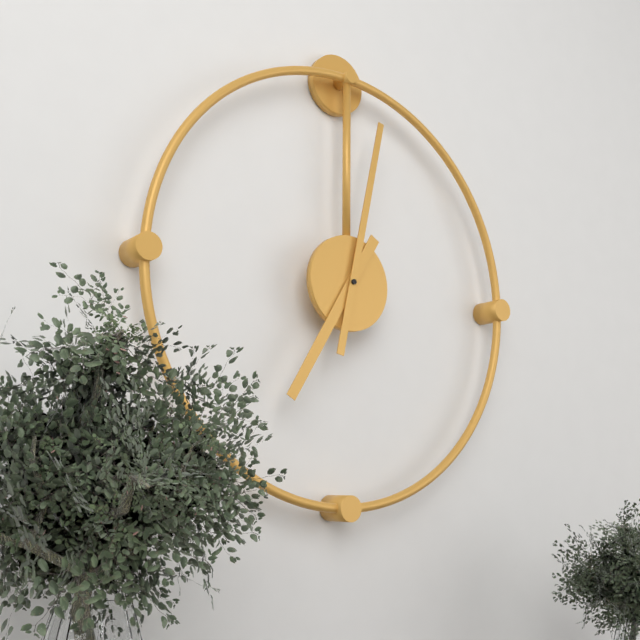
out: 7:02
